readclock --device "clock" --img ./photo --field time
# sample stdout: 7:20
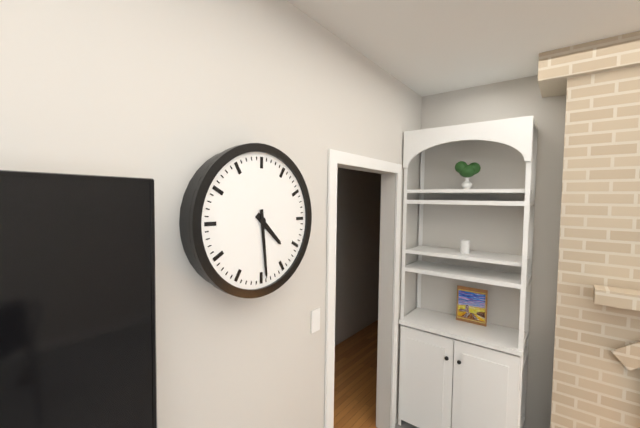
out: 4:29
